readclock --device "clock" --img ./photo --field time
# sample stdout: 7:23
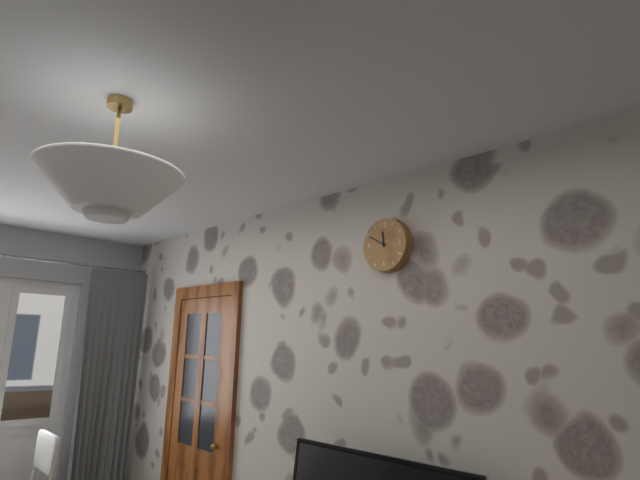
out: 11:50
